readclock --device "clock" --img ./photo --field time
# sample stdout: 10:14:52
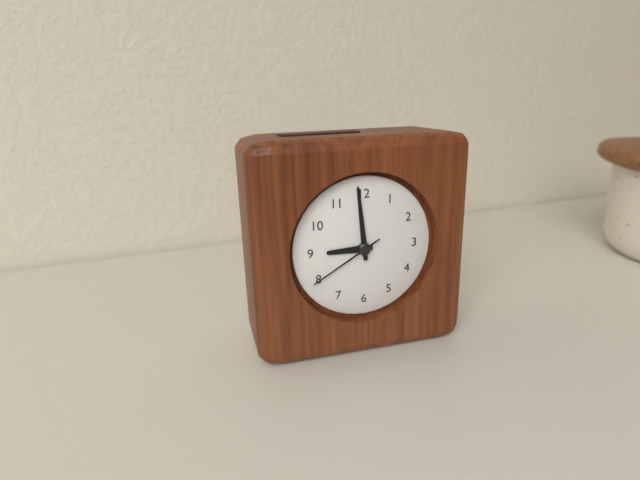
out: 8:59:40
